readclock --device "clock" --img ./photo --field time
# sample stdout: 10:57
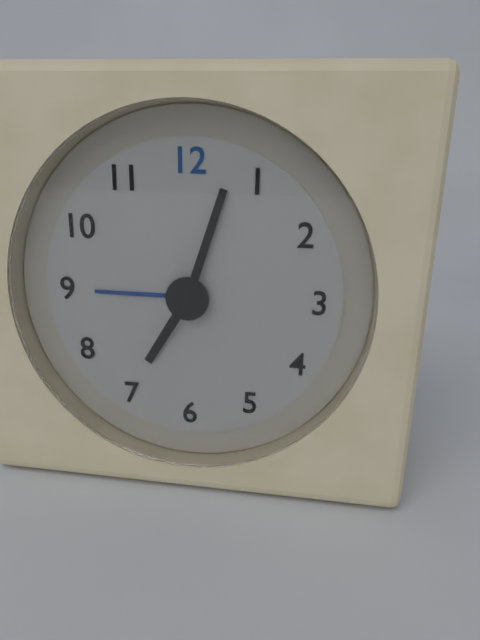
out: 7:03
